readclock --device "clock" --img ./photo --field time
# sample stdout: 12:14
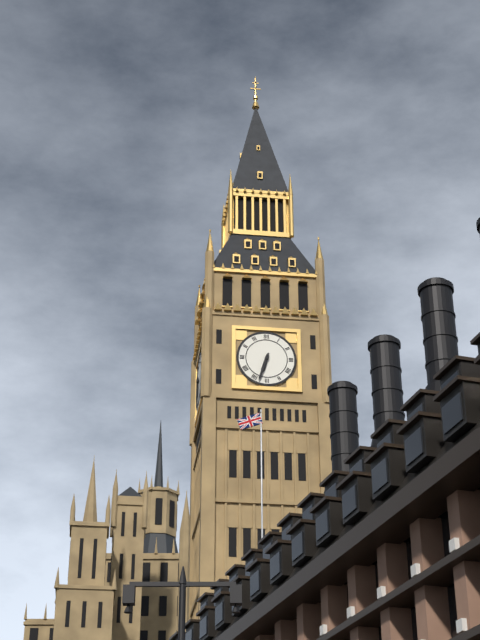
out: 6:33
